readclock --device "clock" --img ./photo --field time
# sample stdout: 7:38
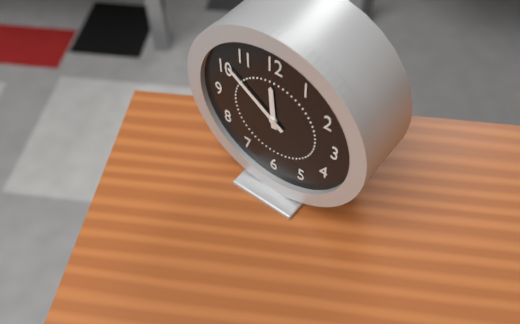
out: 11:51
